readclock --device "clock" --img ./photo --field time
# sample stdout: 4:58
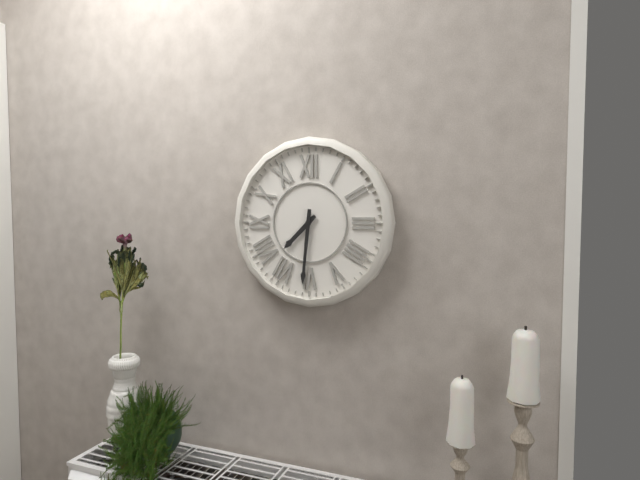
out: 7:31
